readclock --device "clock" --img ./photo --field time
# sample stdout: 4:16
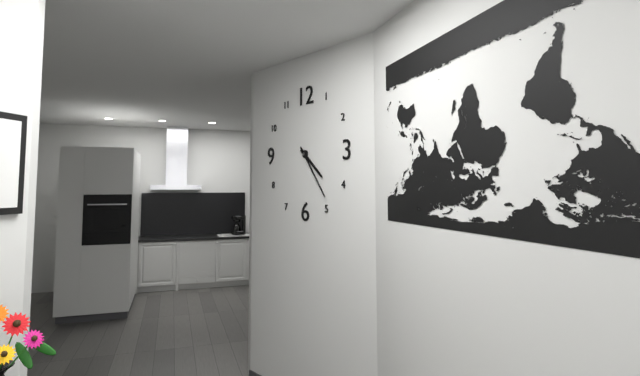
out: 4:24
